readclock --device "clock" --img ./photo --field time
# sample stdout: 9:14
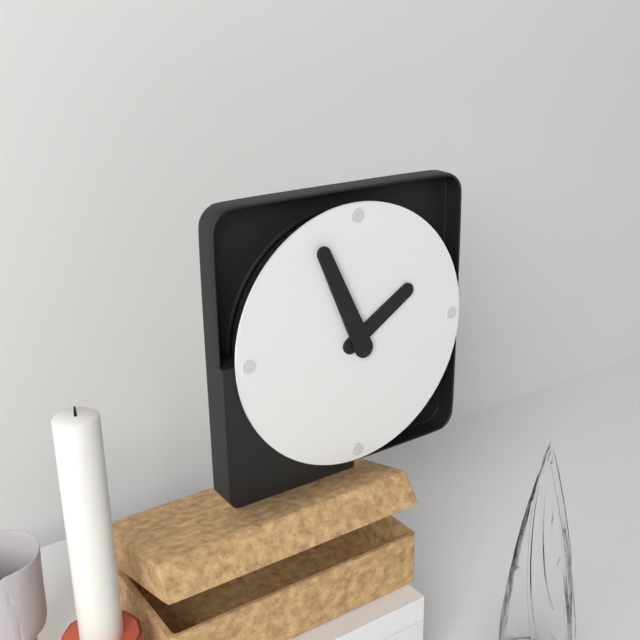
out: 1:56
